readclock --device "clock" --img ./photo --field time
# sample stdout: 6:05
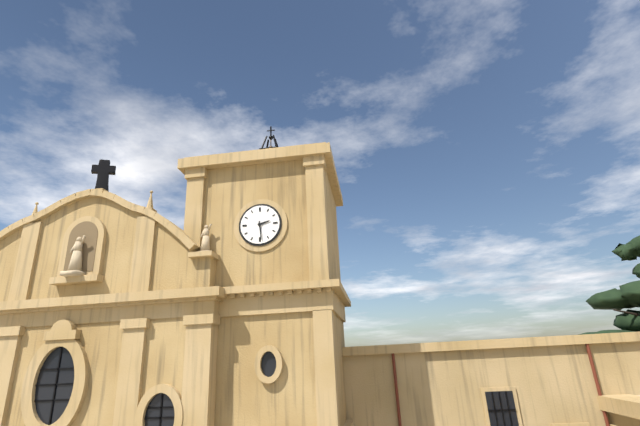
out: 2:29
